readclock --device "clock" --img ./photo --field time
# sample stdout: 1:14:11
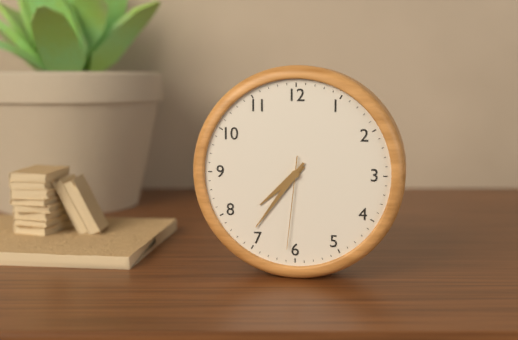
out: 7:36:31
